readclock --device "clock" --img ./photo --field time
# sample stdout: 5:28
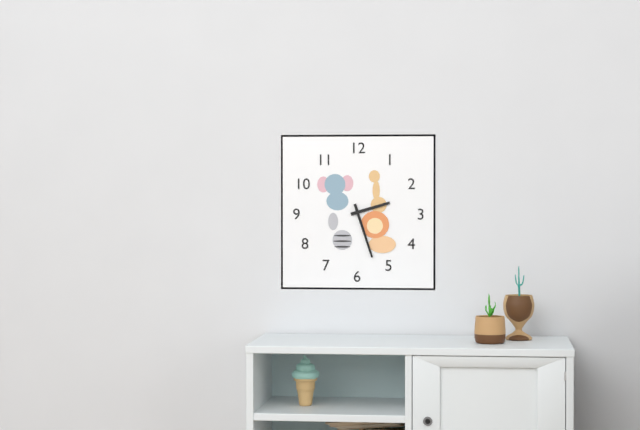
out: 2:27
